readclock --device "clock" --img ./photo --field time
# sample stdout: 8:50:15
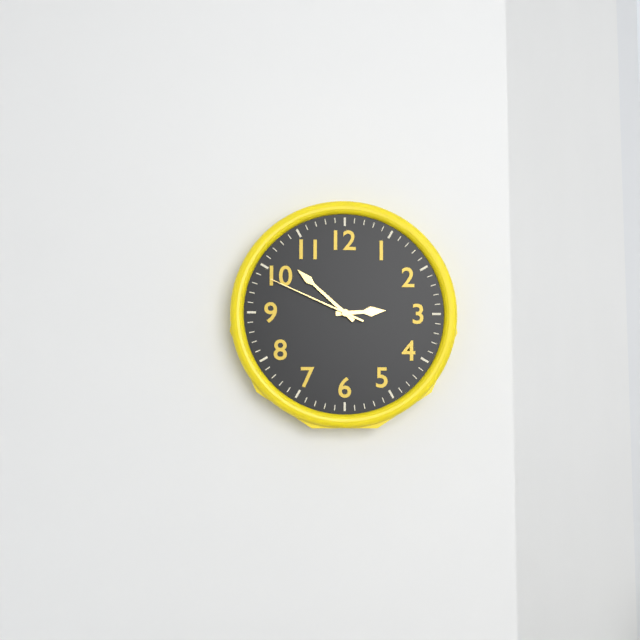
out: 2:52:49
